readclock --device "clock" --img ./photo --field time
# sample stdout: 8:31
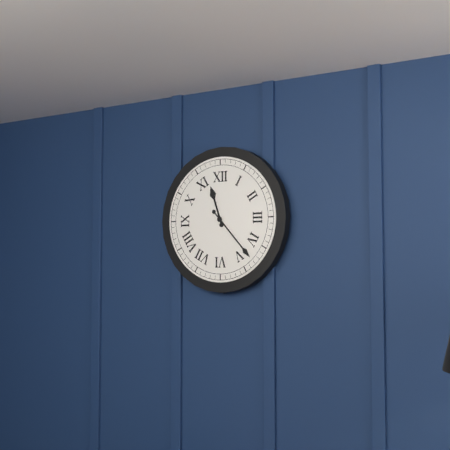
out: 11:23
